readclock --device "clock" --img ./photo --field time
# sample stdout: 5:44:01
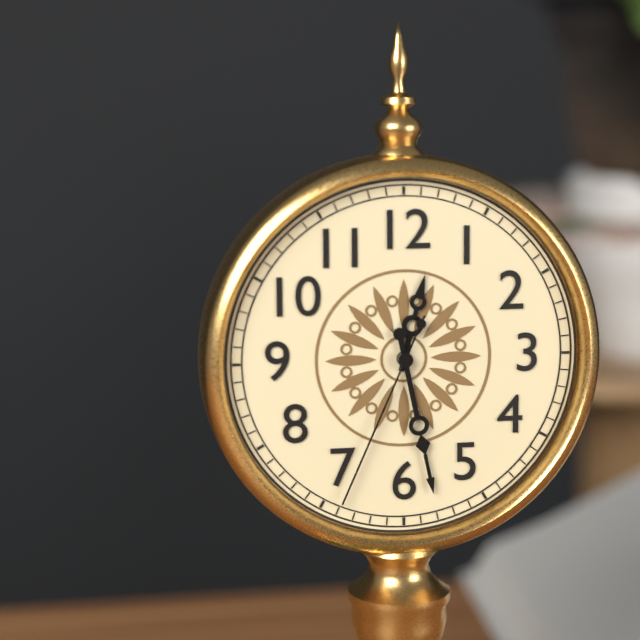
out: 12:28:34
